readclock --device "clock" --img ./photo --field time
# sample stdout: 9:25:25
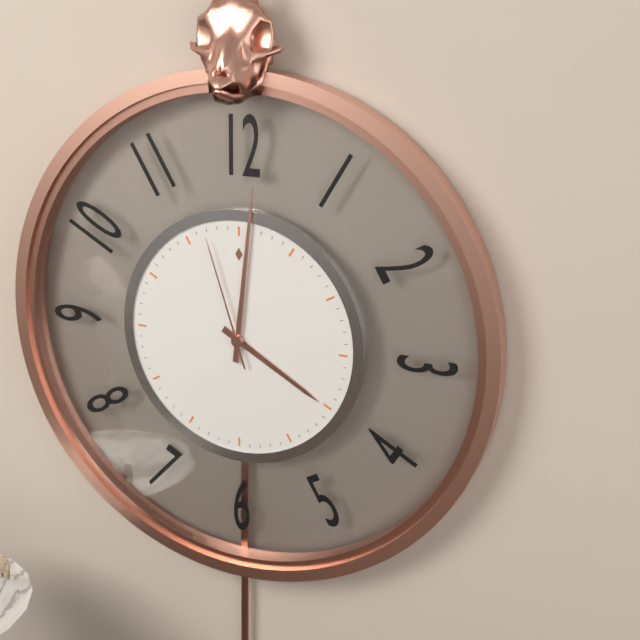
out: 4:01:57
